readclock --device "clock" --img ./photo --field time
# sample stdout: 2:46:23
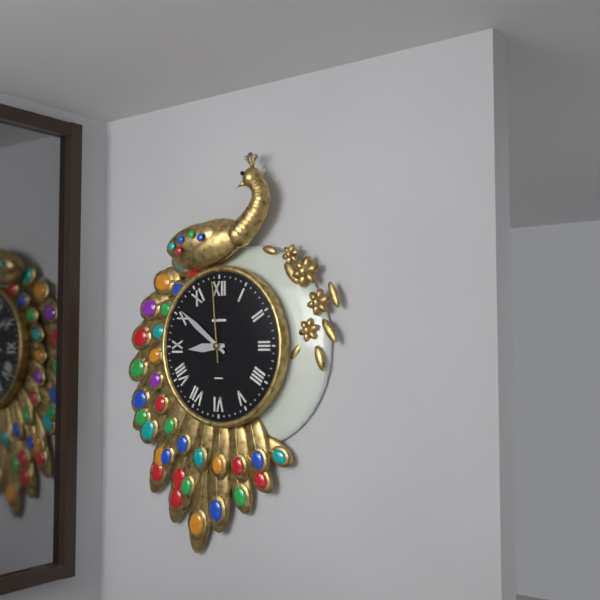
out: 8:51:59
